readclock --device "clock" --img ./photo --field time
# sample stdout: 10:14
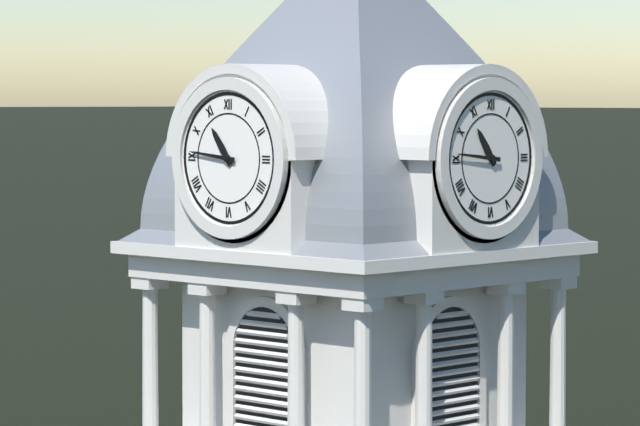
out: 10:46
